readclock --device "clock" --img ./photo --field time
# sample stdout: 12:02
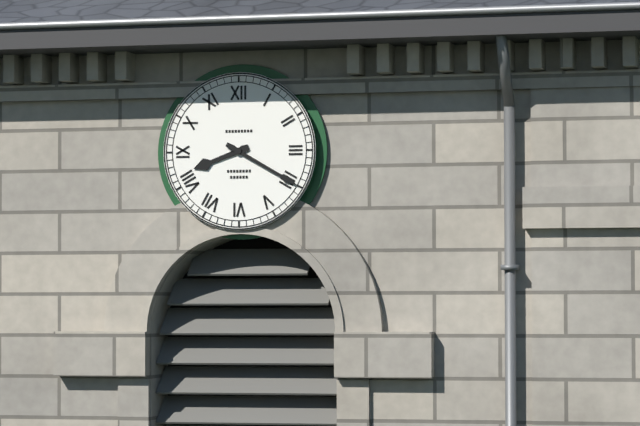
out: 8:20
